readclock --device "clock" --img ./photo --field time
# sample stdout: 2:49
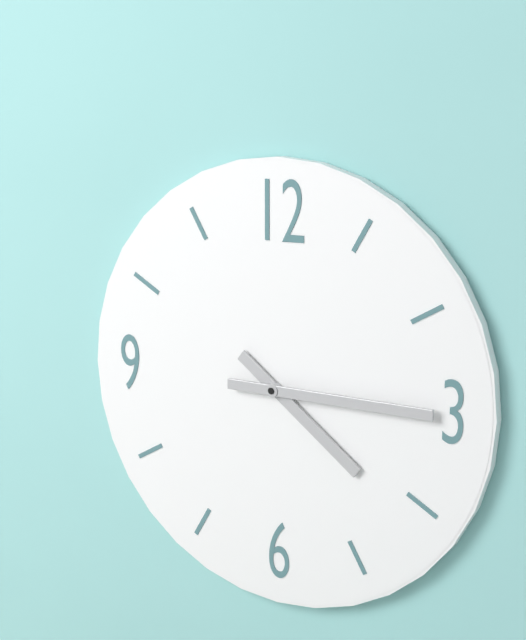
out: 4:15
